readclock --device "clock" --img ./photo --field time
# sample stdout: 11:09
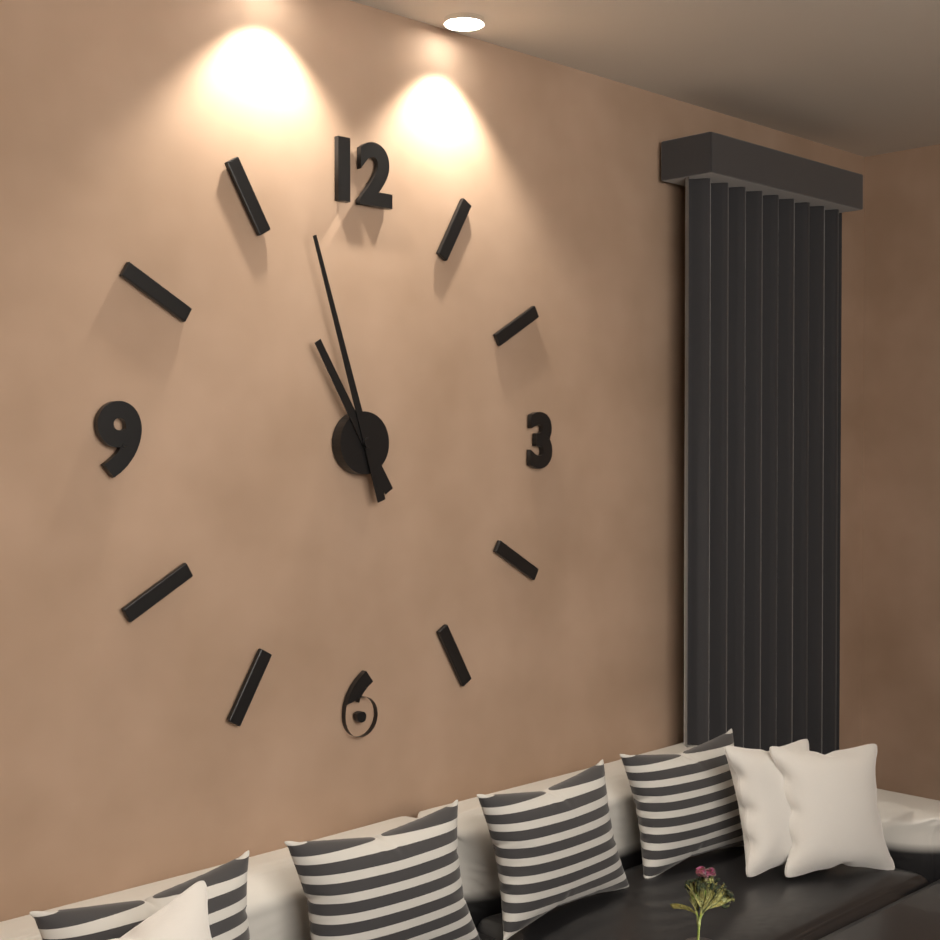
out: 10:57
